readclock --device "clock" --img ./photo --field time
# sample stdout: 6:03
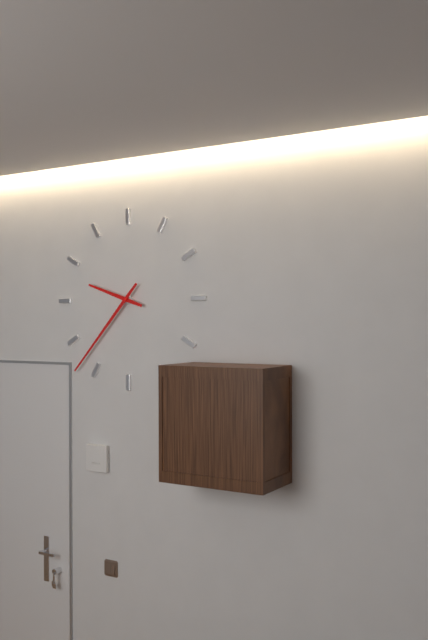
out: 9:37
